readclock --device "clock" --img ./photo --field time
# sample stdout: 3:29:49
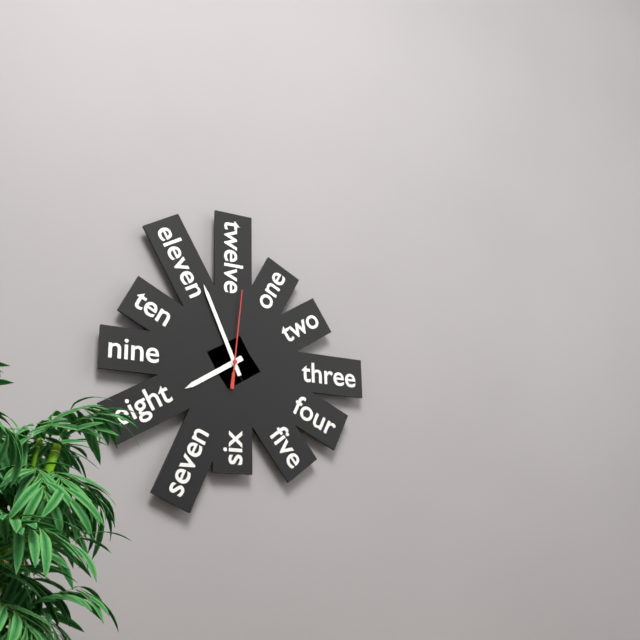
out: 7:56:01
